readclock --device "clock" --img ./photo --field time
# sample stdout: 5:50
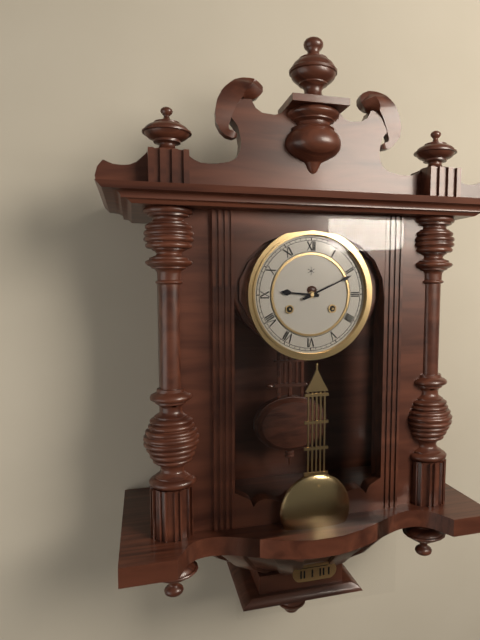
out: 9:11
